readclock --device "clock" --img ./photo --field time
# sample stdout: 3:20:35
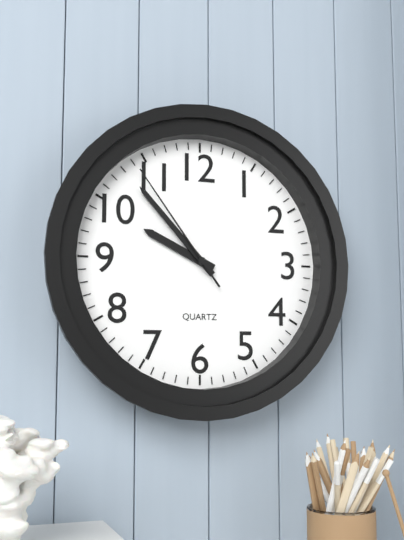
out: 9:53:54
